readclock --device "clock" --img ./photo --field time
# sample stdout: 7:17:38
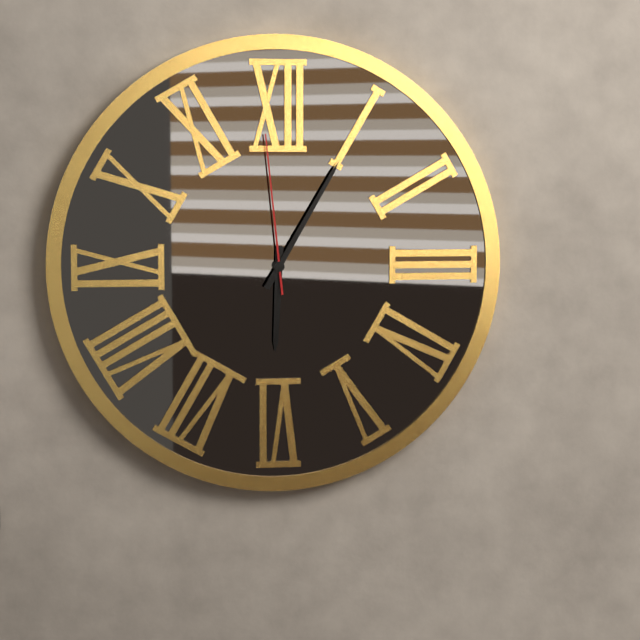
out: 6:05:59
